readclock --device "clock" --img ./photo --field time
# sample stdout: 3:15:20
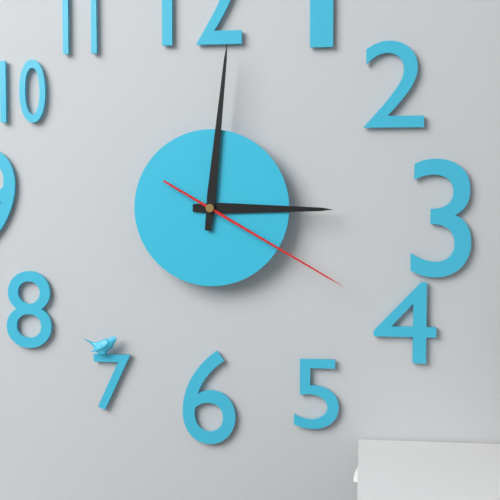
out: 3:01:20
